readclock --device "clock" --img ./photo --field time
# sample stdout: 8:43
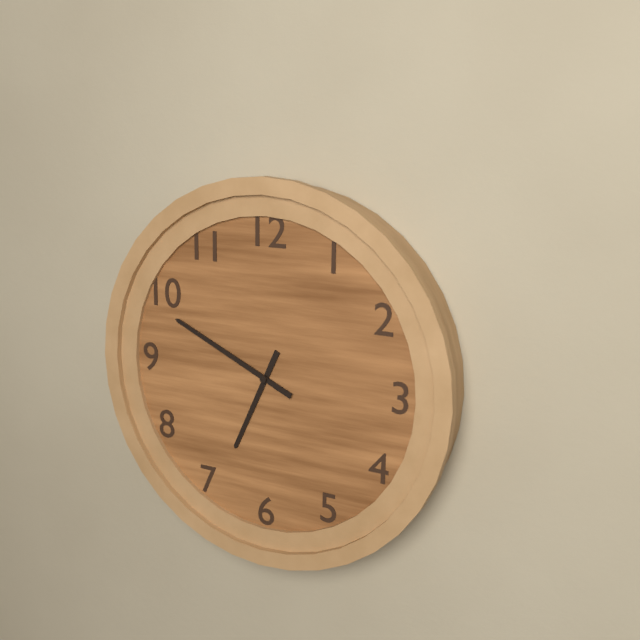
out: 6:49
